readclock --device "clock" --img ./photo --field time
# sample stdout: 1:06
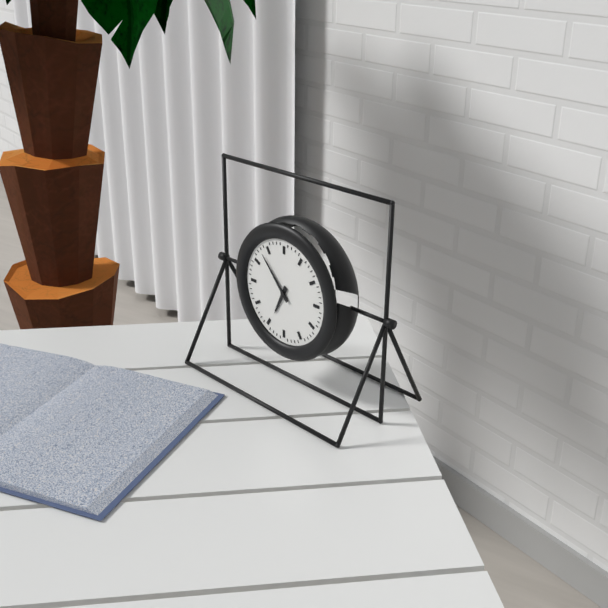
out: 6:53
